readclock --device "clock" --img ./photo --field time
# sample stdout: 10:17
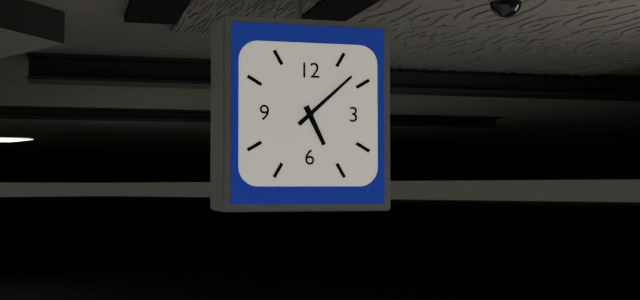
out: 5:08
